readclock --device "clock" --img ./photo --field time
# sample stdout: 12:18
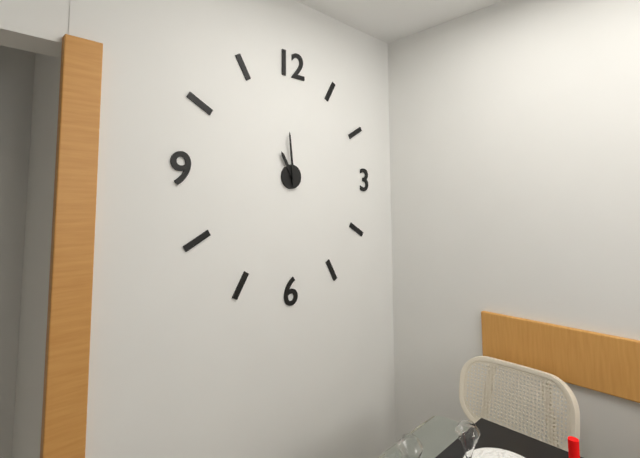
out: 10:59
